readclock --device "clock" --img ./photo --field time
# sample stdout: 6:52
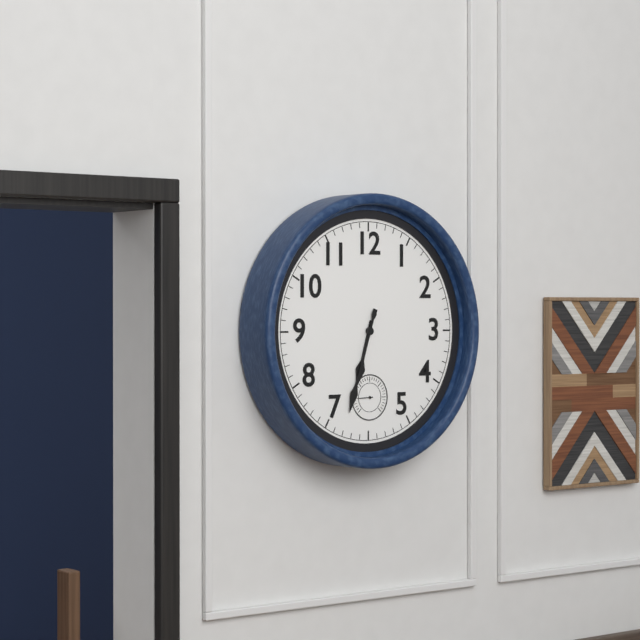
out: 6:33
